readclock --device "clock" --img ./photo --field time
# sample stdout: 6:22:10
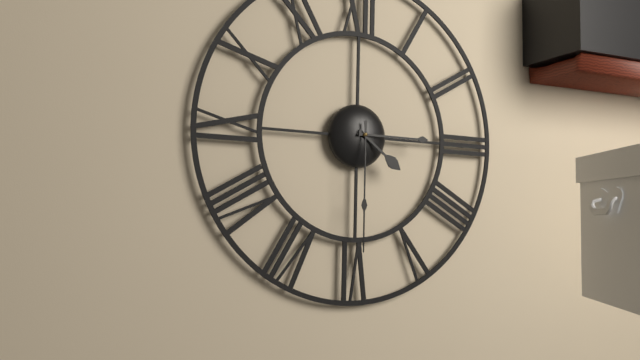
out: 4:15:30
